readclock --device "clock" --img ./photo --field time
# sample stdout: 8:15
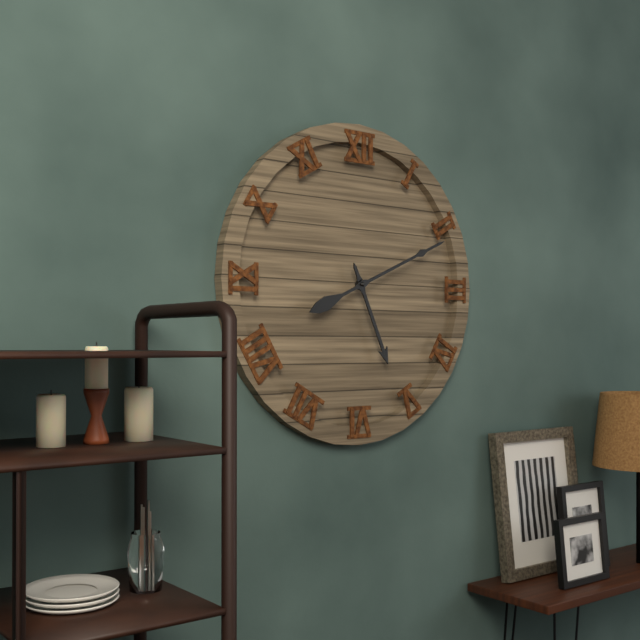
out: 5:11
